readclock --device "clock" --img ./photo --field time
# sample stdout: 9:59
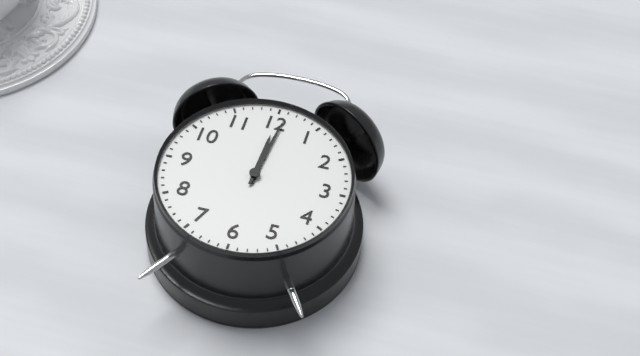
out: 12:01
